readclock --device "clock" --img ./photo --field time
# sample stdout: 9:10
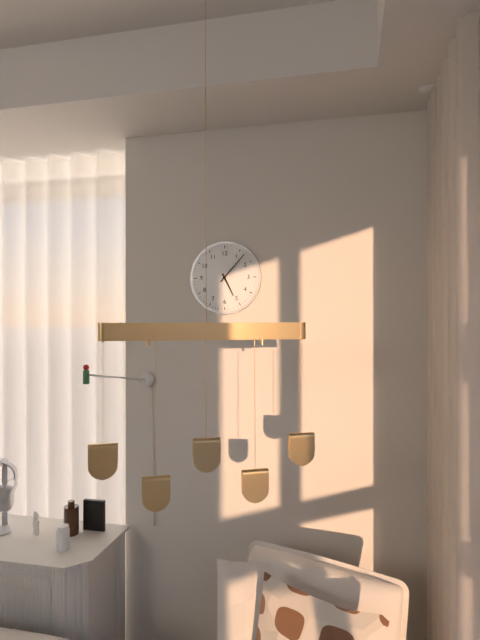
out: 5:07
